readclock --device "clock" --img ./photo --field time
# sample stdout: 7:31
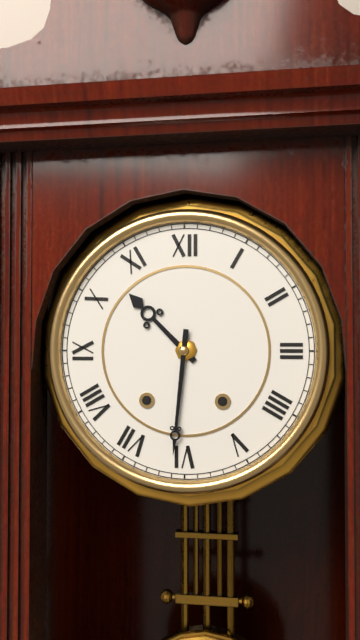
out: 10:31
